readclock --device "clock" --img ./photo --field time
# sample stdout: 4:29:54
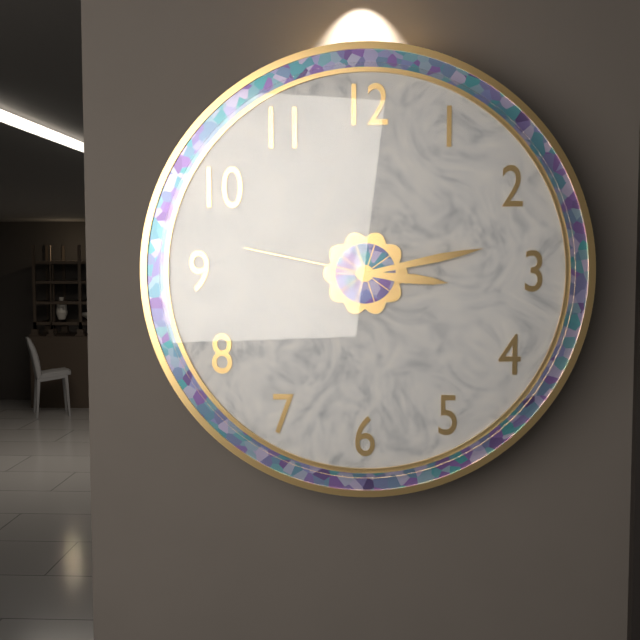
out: 3:13:47
